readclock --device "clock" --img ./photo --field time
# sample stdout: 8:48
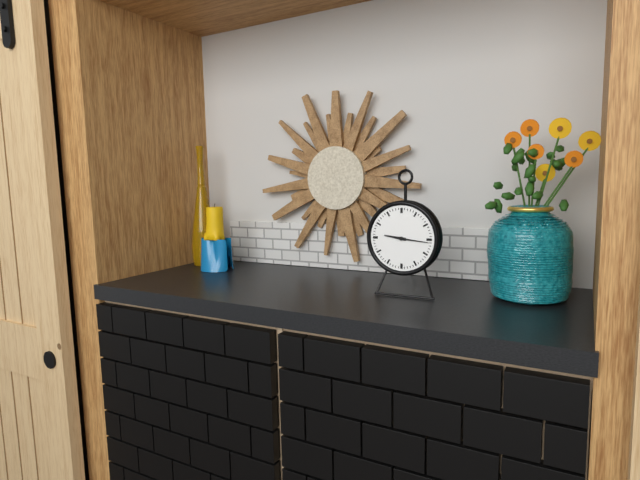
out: 9:16
